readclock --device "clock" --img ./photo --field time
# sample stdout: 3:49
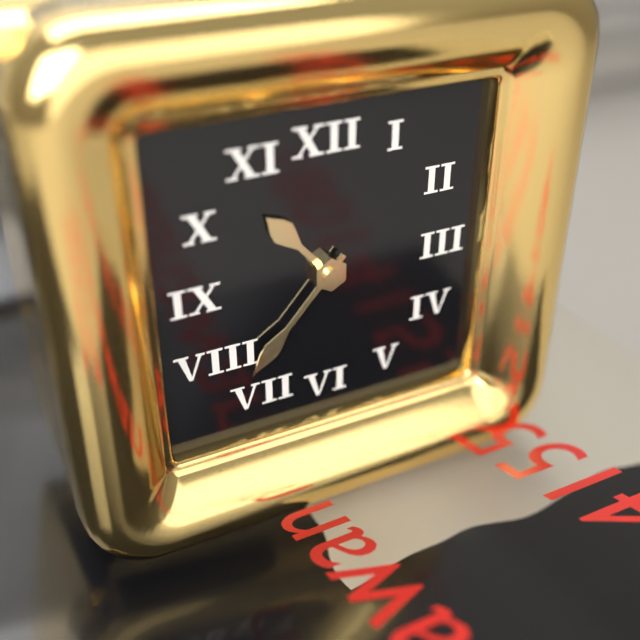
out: 10:37
